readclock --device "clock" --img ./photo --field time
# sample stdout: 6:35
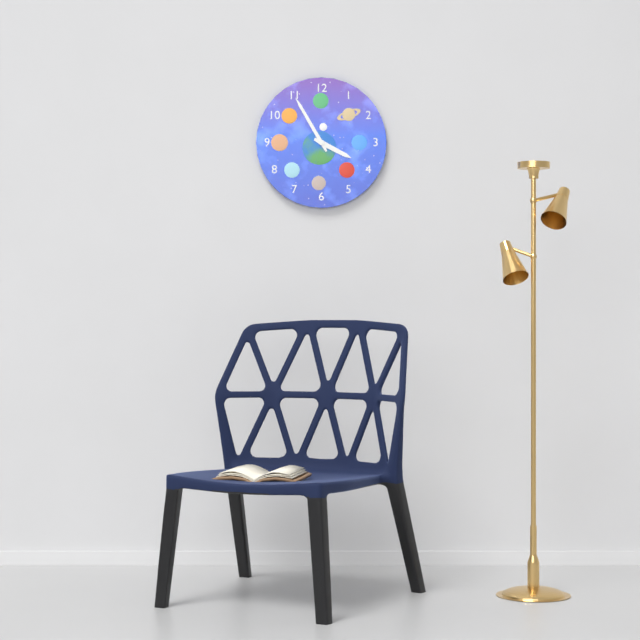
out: 3:55
